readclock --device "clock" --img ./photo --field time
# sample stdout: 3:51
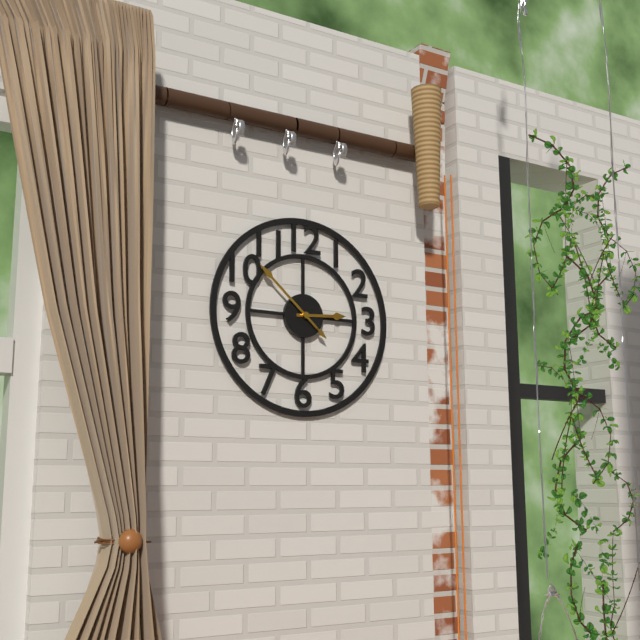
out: 2:52
